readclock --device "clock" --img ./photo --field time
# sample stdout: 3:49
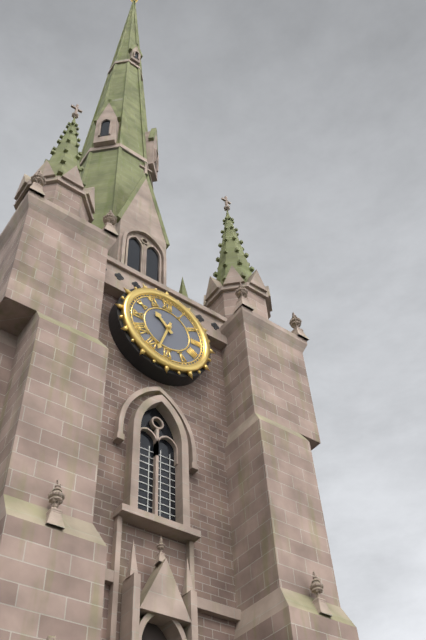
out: 10:33
